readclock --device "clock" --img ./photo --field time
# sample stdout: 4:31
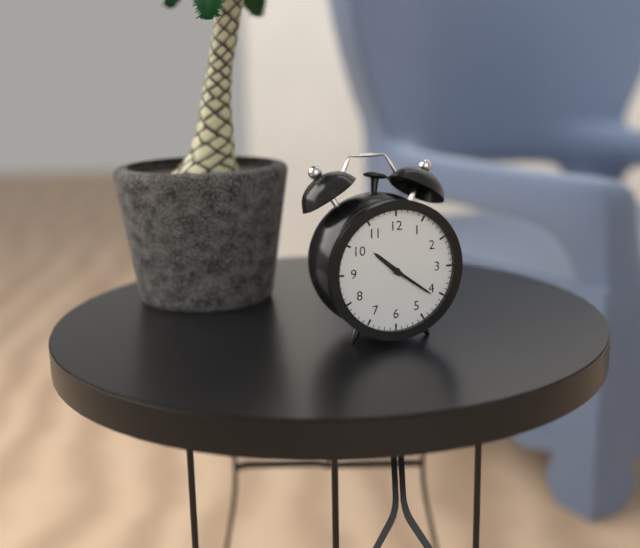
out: 10:21
